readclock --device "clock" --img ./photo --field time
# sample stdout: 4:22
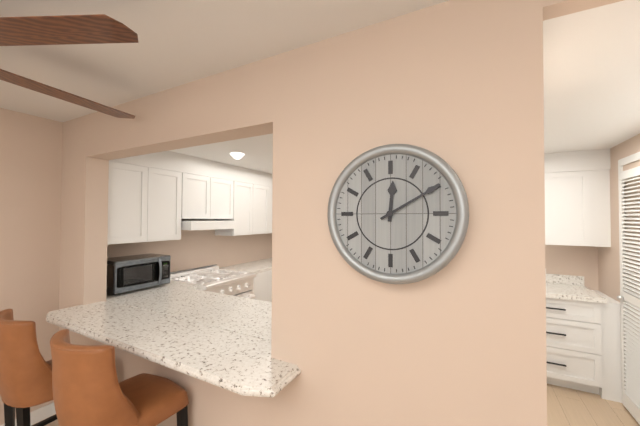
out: 12:10
